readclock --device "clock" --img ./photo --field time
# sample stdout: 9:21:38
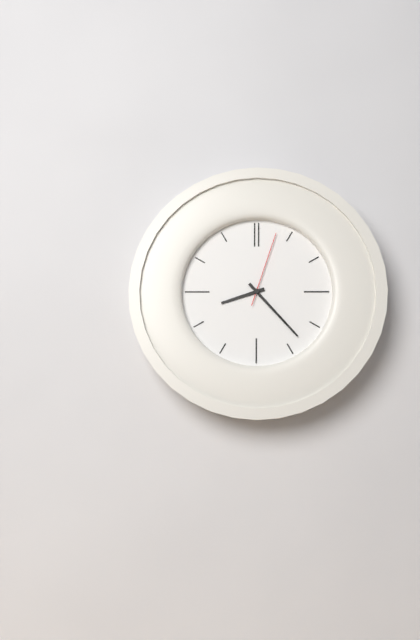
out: 8:23:03
